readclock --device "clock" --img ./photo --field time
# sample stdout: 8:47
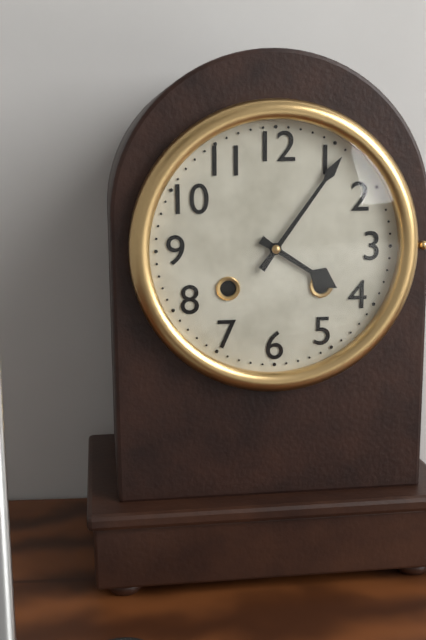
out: 4:06
